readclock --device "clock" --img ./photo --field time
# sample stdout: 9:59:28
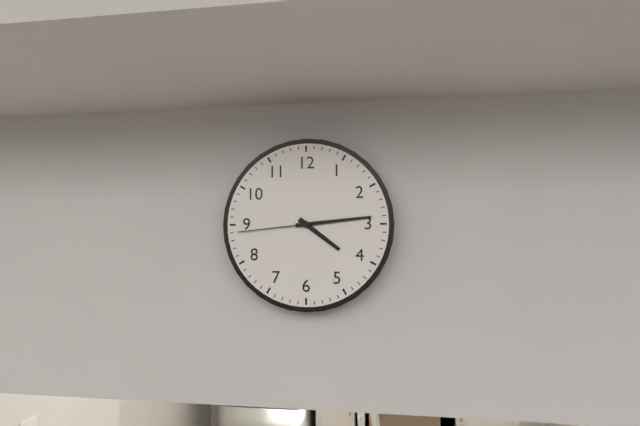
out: 4:14:44
